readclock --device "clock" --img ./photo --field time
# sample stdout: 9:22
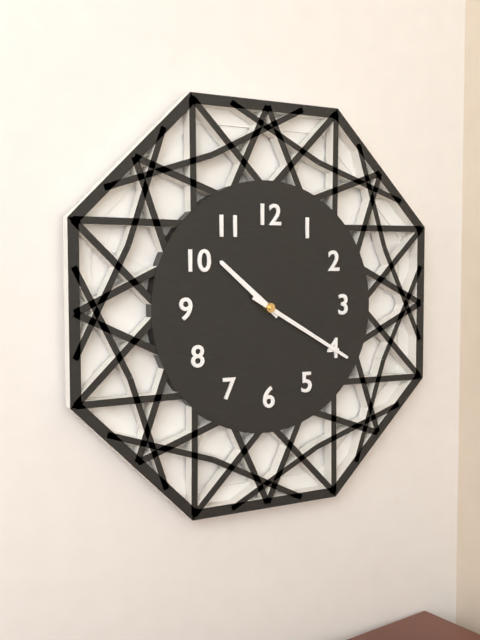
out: 10:20
